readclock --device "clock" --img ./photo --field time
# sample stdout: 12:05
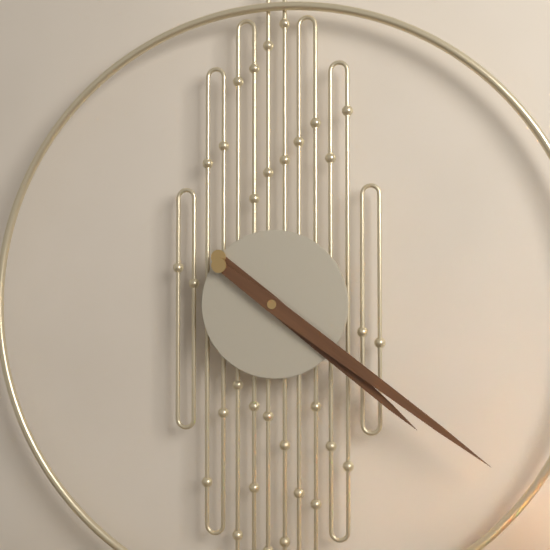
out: 4:21
